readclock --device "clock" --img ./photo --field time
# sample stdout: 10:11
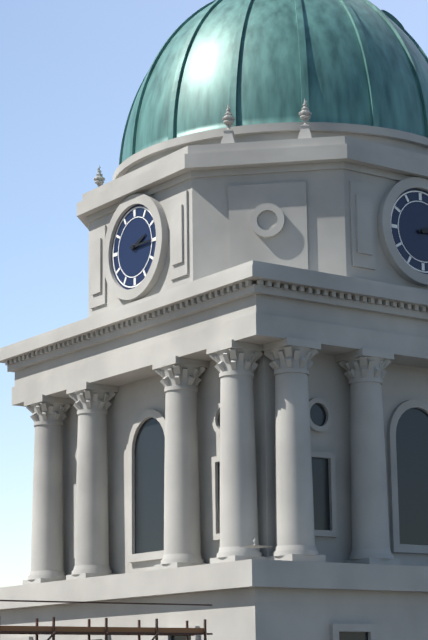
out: 2:15
